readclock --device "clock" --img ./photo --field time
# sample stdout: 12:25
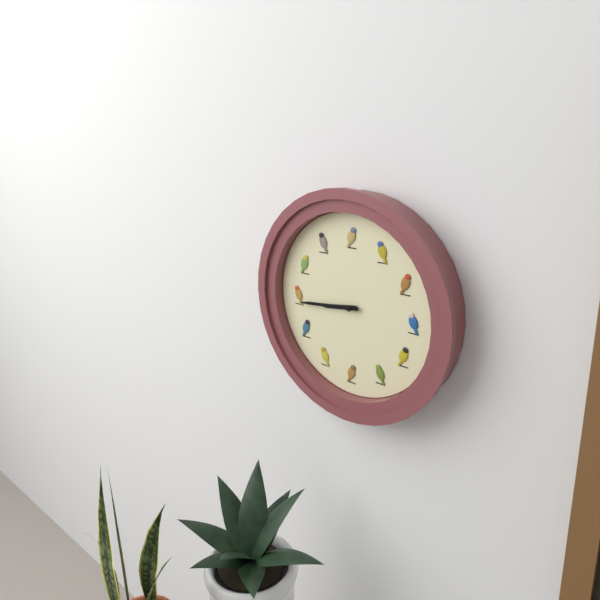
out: 8:44
